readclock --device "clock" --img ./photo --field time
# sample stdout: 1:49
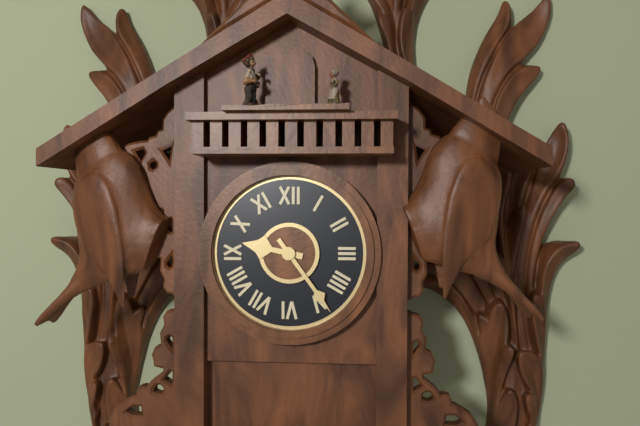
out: 9:24
